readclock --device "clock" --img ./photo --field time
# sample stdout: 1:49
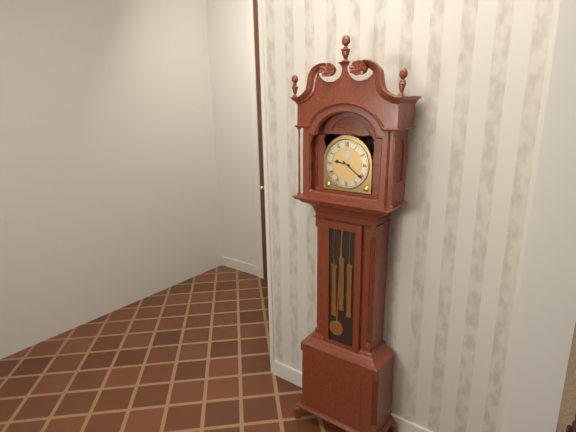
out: 9:21
